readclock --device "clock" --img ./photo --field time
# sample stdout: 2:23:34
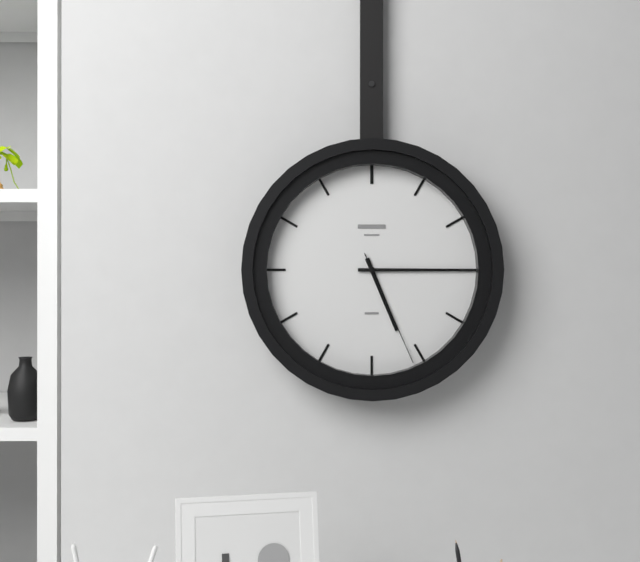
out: 5:15:26
